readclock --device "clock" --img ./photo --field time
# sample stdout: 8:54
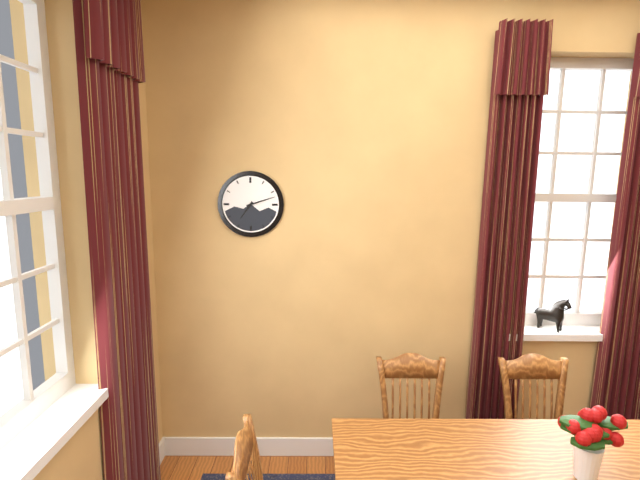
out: 7:12
